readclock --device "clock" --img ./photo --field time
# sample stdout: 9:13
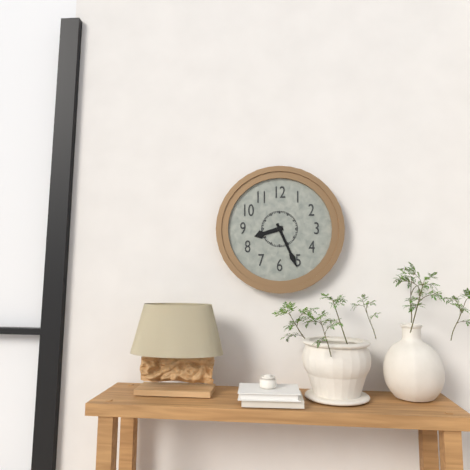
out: 8:26
